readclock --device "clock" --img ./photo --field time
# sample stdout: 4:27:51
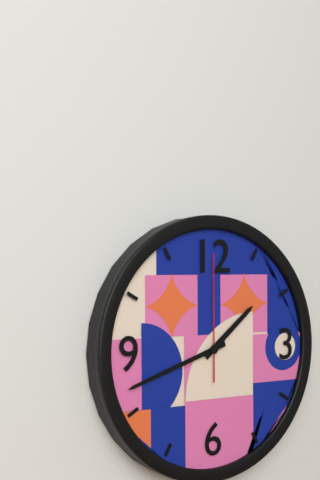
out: 1:42:00
